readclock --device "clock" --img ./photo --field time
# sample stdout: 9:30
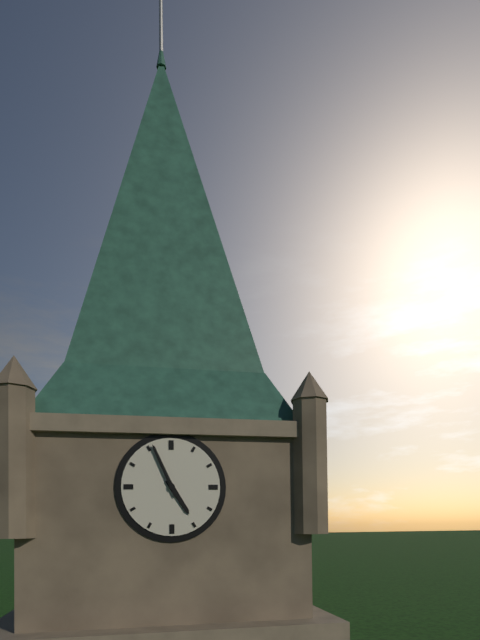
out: 4:56
